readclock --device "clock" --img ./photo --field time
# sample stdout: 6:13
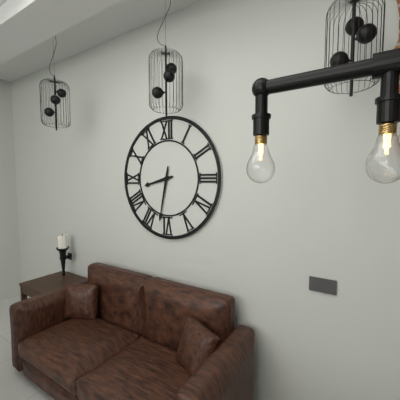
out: 8:32
